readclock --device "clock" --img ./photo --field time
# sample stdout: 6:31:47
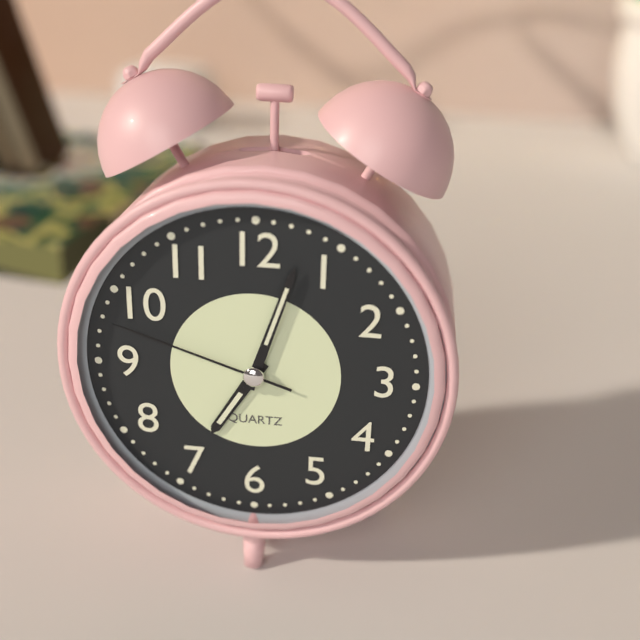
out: 7:03:48
